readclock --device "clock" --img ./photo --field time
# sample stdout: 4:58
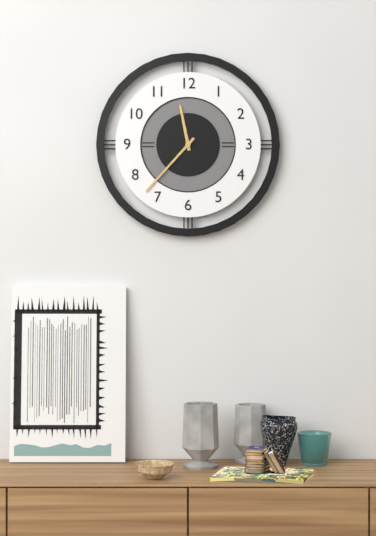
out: 11:37
